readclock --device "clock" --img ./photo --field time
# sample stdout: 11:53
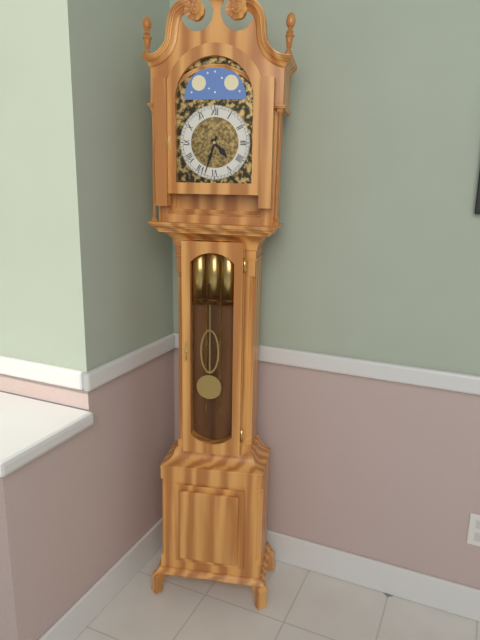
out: 4:33
